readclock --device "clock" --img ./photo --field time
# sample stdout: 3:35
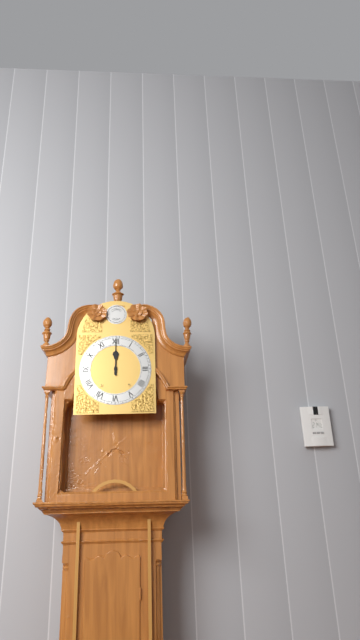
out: 12:00
